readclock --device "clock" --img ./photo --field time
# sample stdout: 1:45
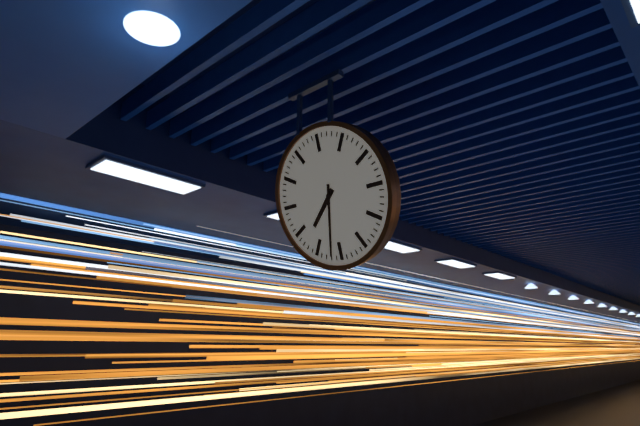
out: 7:32
